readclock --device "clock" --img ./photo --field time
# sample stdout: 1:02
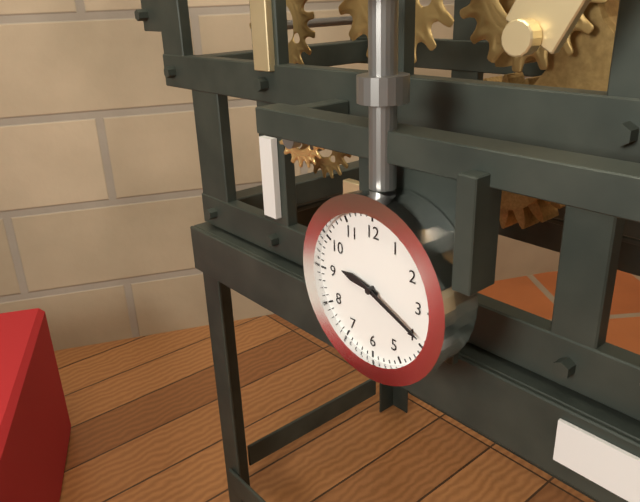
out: 9:19
